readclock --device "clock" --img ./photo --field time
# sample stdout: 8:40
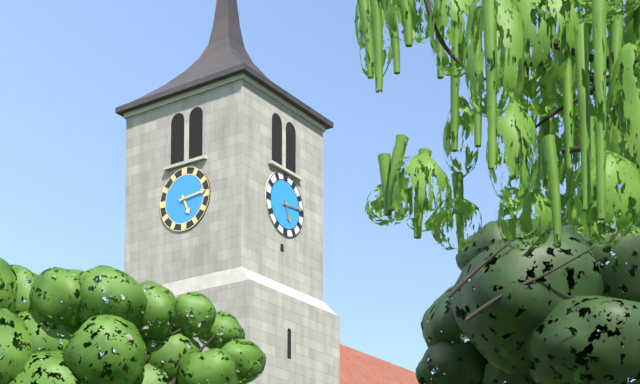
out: 5:14
